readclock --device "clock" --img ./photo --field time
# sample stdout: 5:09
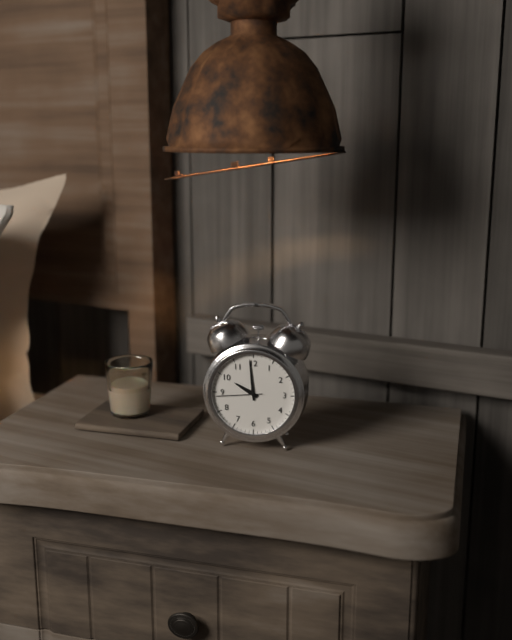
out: 9:59
